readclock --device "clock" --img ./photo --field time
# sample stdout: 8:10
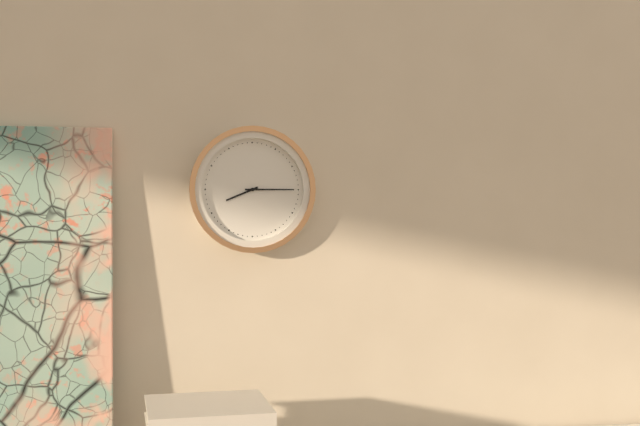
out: 8:15
